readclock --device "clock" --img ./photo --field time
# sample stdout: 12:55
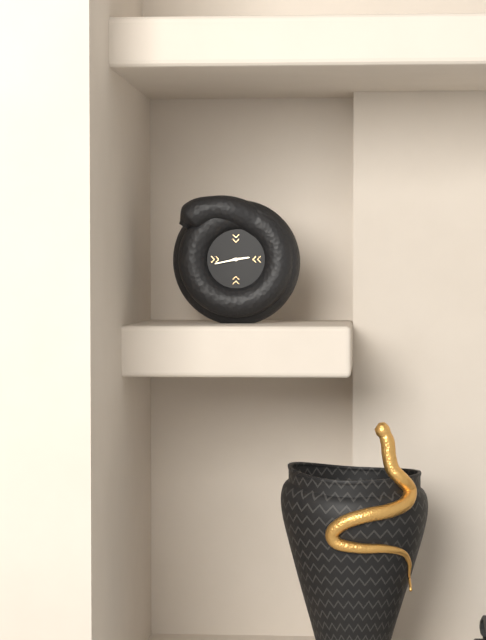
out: 2:43
